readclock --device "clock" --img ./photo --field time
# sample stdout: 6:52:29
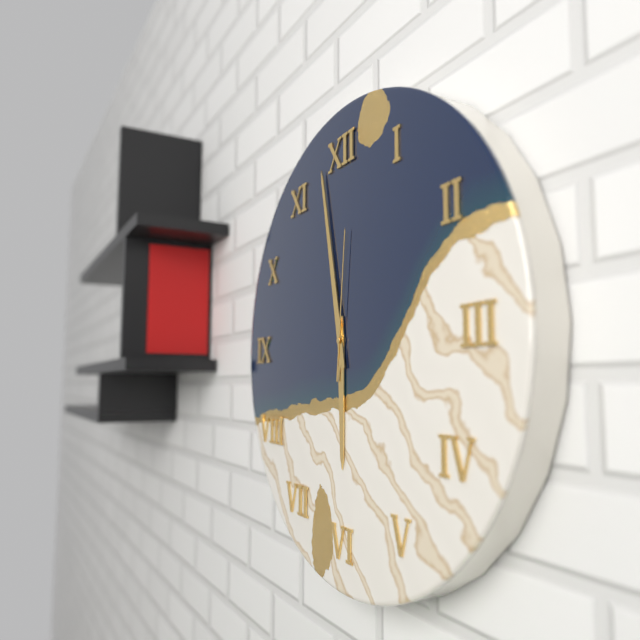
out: 5:58:01
